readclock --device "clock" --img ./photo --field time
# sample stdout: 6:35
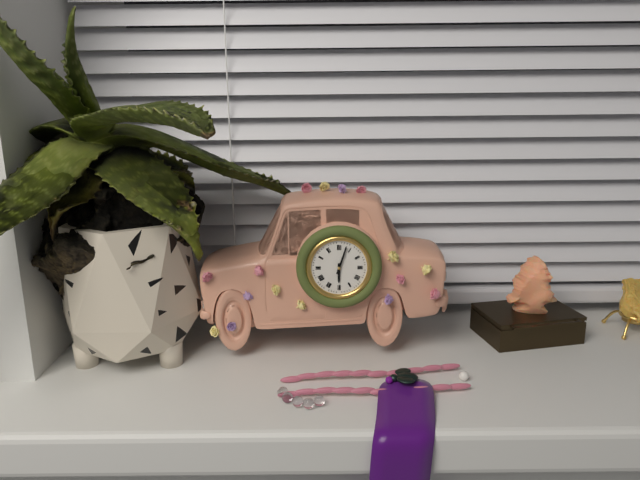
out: 6:03
